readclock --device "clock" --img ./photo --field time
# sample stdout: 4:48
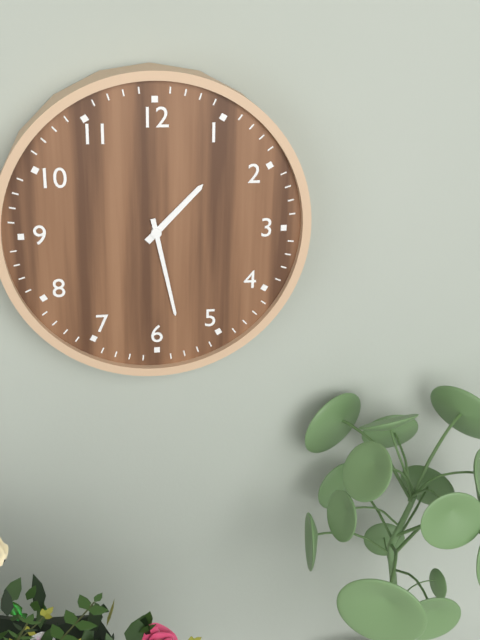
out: 1:28
